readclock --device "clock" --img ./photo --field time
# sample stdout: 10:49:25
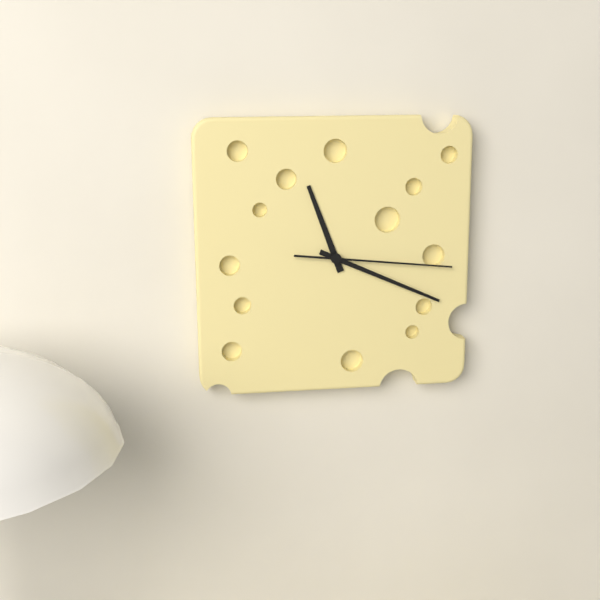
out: 11:19:16
